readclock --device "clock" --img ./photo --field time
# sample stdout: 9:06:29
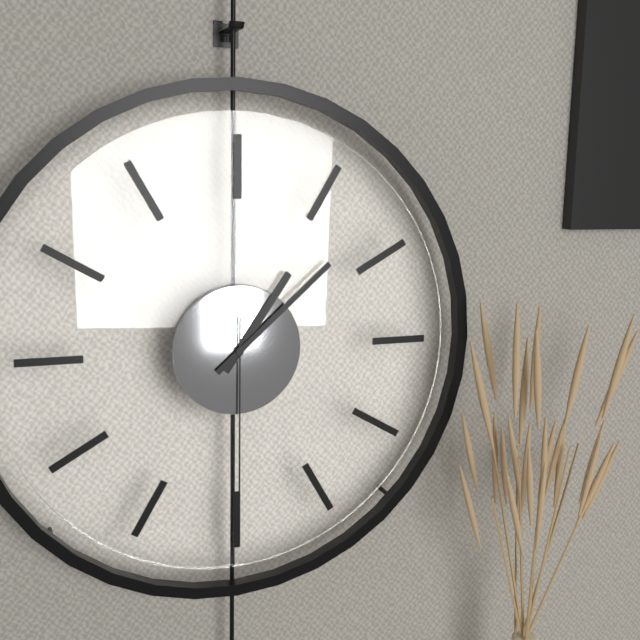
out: 1:08:30
